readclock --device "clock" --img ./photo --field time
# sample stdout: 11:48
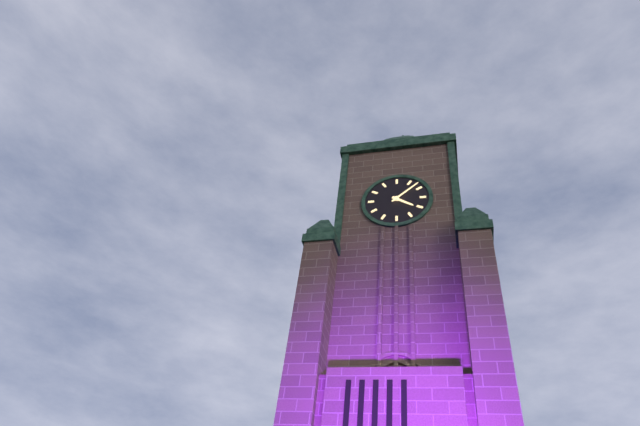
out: 4:08
